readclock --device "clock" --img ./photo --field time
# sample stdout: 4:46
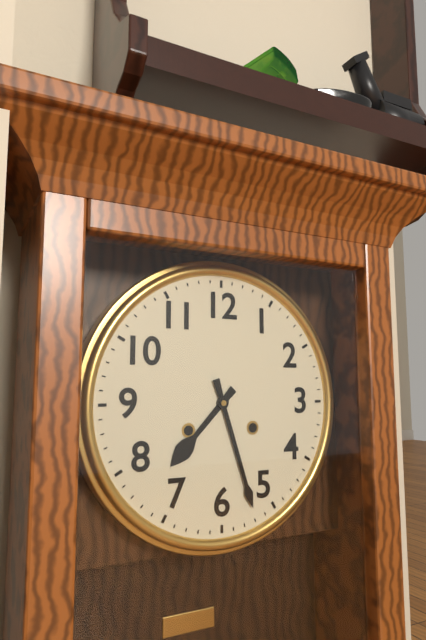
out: 7:27
